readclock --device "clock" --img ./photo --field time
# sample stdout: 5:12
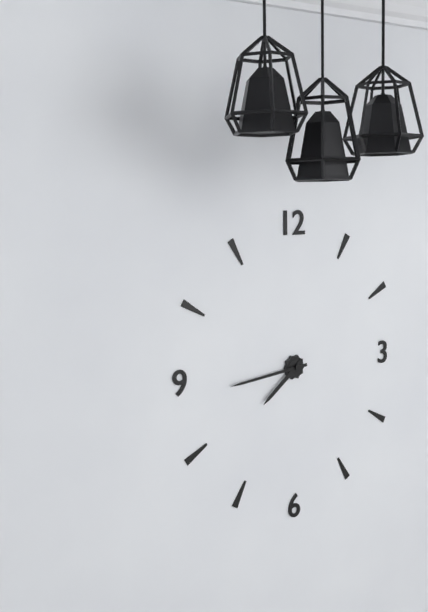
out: 7:44
